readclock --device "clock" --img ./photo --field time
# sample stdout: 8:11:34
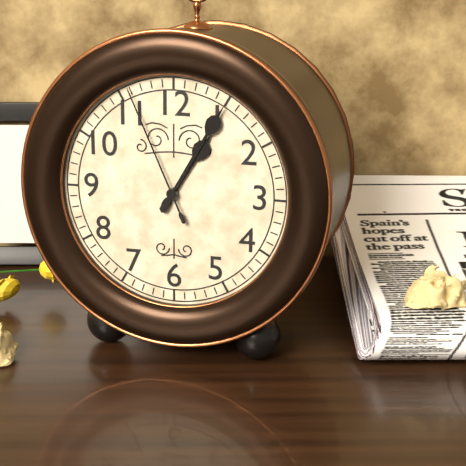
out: 1:05:56
